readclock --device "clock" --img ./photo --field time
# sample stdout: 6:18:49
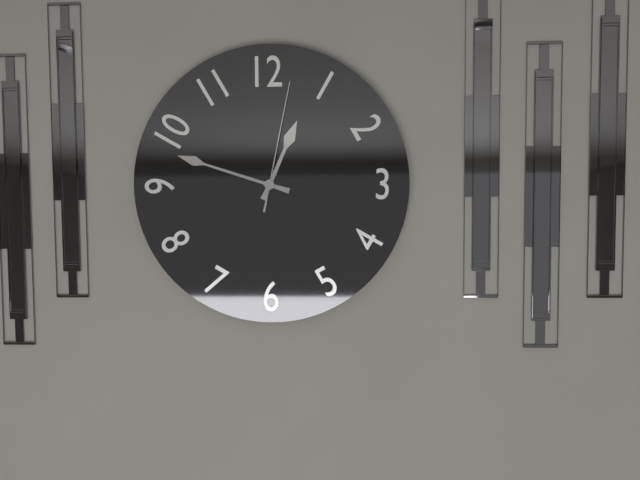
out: 12:48:02
